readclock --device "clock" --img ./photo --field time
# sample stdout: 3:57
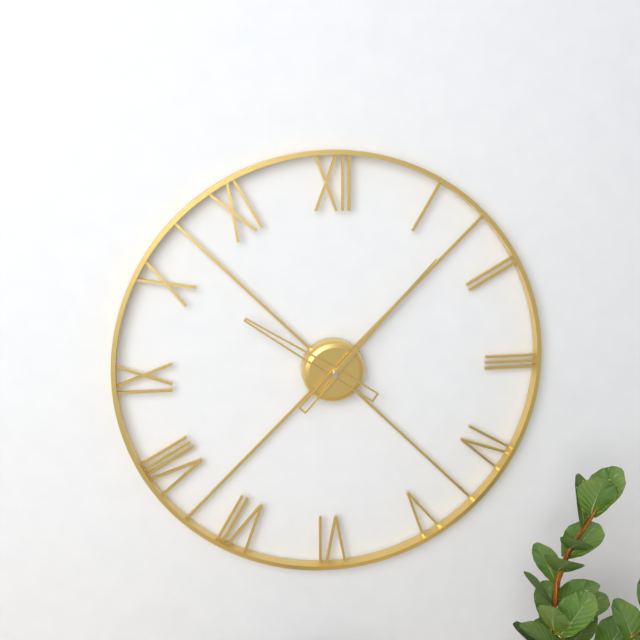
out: 10:07
